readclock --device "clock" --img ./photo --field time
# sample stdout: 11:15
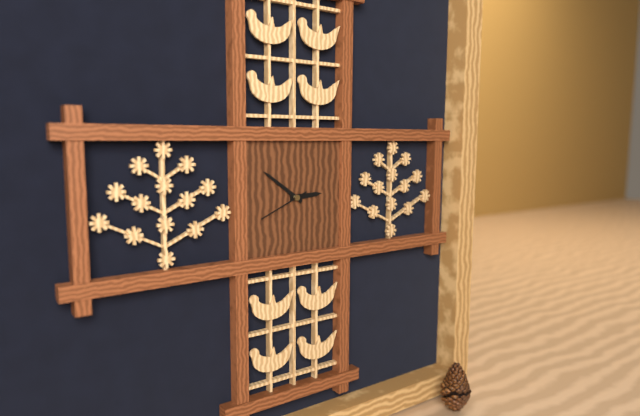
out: 2:51
